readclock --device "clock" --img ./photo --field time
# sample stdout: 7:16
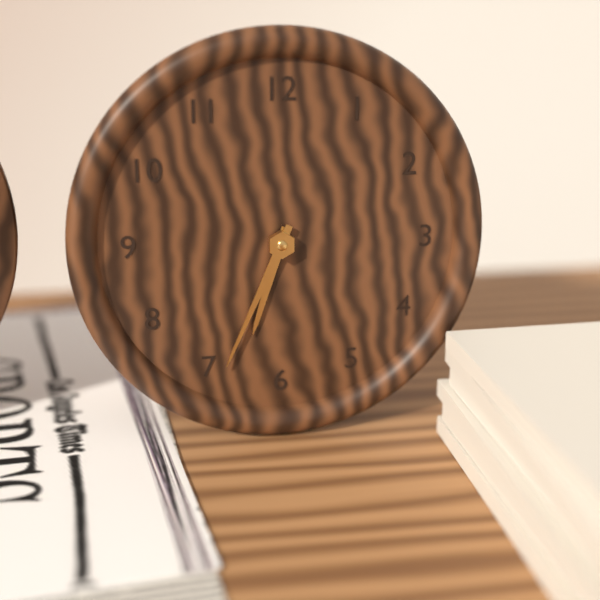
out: 6:34
